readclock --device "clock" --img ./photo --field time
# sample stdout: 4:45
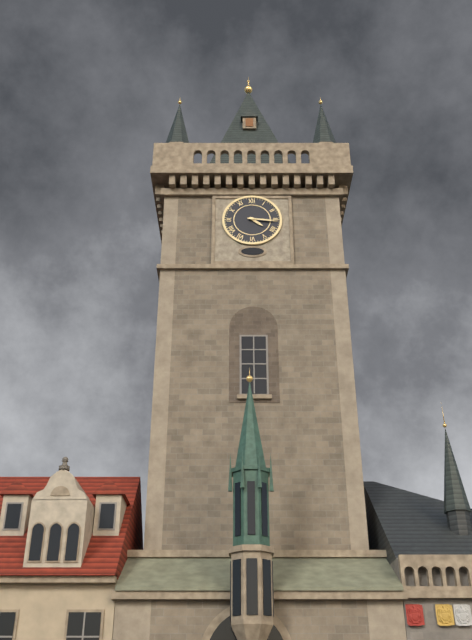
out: 4:16
